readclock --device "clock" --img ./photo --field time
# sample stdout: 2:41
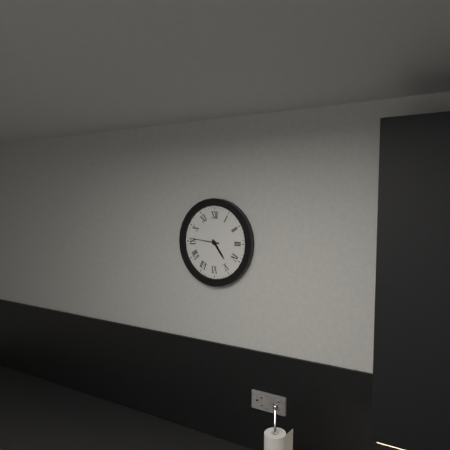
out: 4:46
